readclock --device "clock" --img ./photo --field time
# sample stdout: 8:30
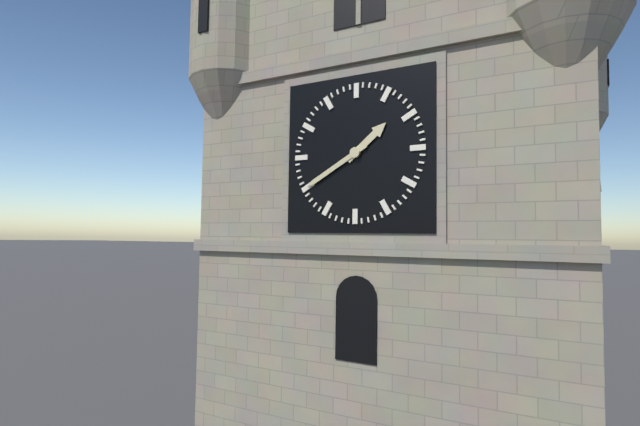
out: 1:40
